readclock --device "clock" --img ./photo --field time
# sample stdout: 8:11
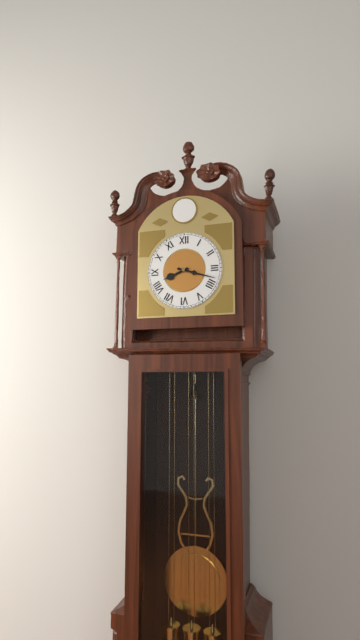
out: 8:18
